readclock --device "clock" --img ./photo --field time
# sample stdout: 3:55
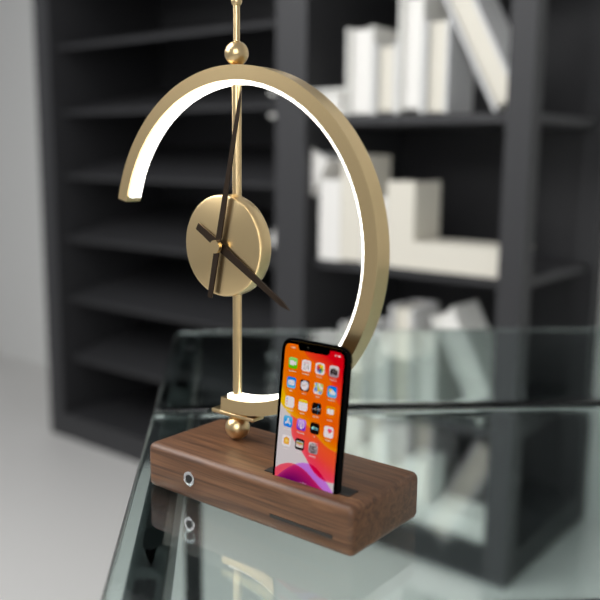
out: 4:02
